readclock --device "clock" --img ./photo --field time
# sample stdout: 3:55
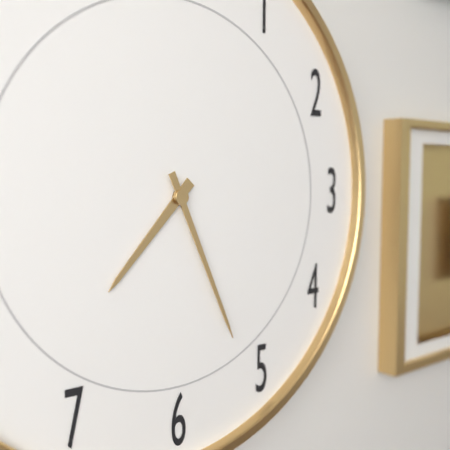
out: 7:26
